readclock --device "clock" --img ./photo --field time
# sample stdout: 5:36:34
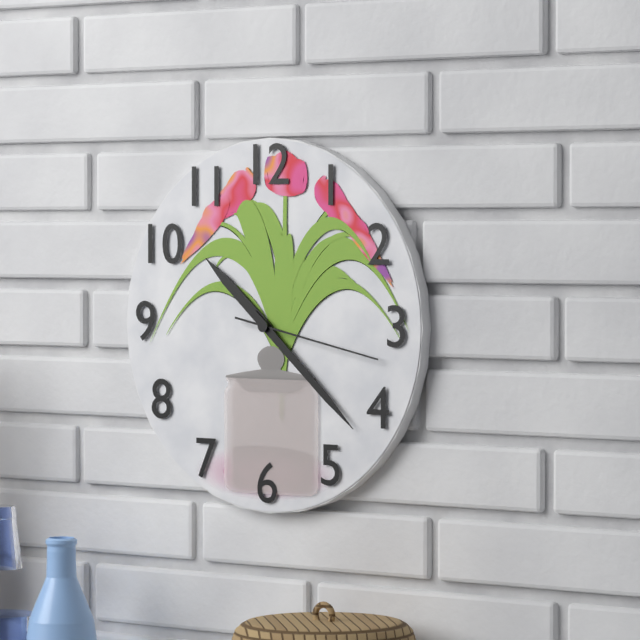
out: 10:22:17
